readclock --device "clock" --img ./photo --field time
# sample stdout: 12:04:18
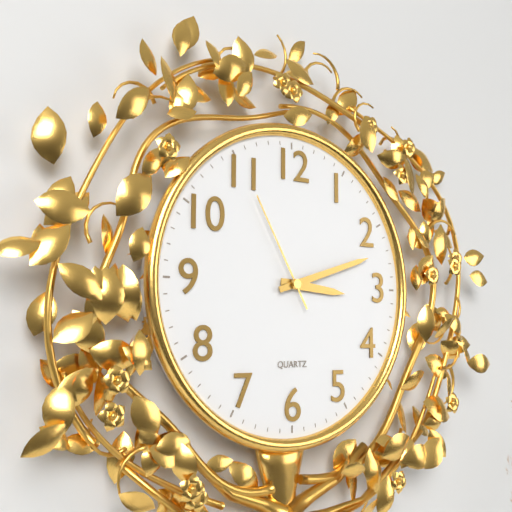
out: 3:12:55
